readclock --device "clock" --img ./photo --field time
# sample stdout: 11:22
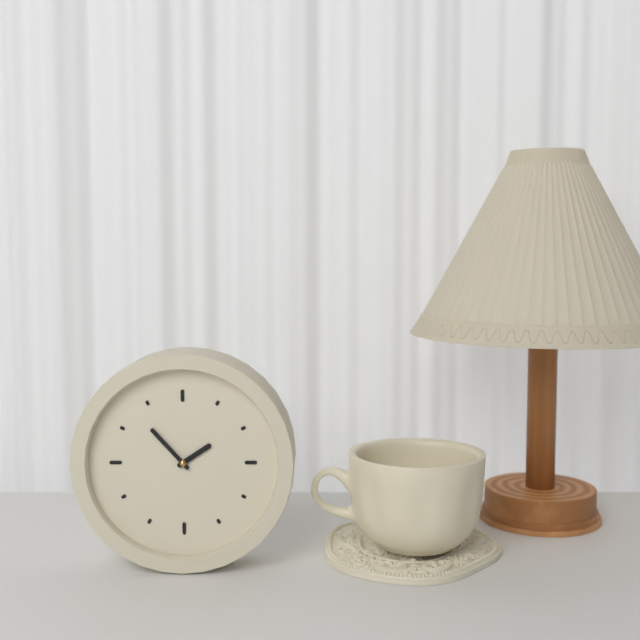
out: 1:53
